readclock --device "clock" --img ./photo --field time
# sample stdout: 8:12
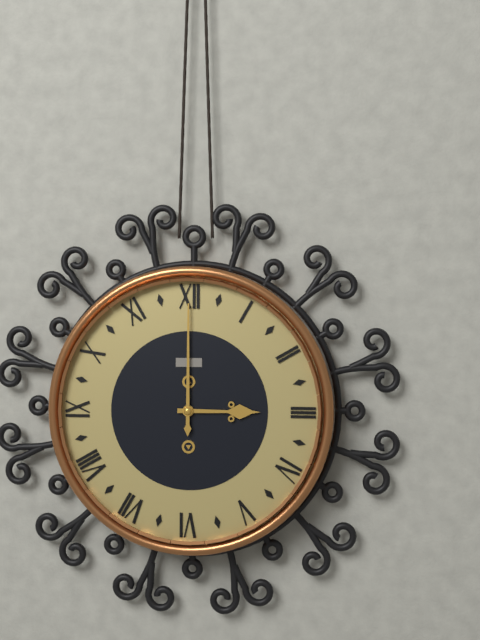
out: 3:00
